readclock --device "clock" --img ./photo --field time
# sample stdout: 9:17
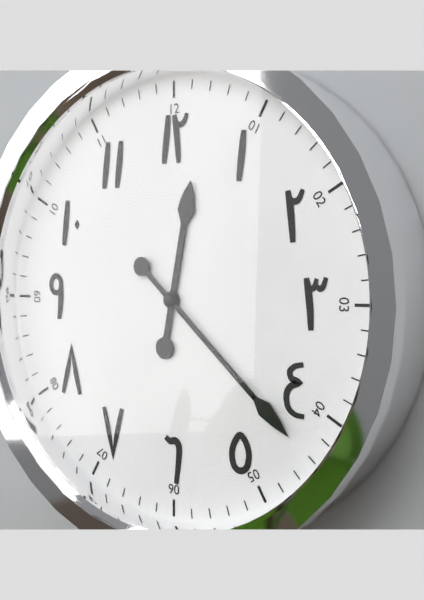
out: 12:22
